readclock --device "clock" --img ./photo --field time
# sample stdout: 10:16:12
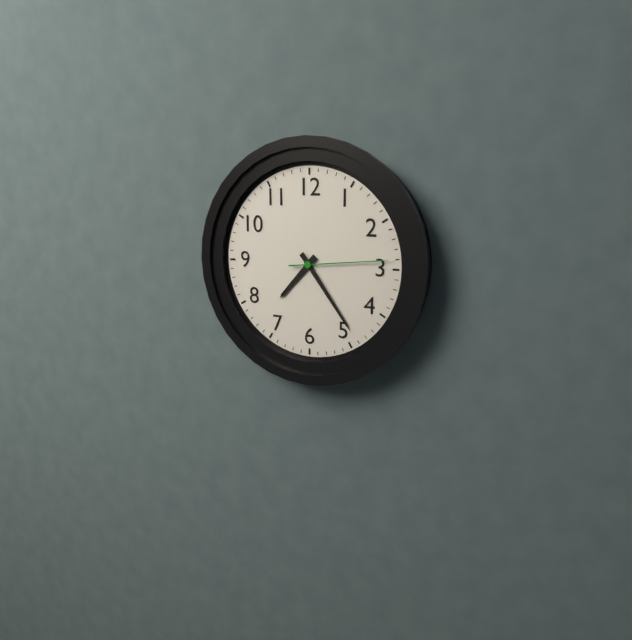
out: 7:24:14
